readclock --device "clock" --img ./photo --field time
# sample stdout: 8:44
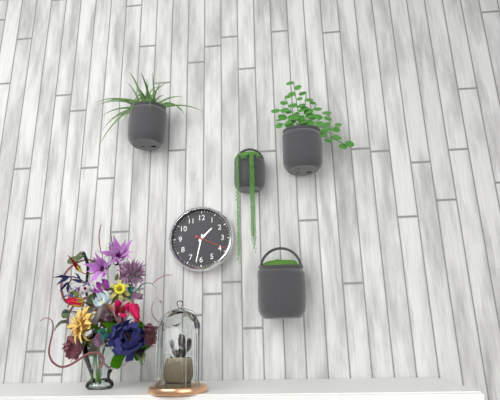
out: 1:32
